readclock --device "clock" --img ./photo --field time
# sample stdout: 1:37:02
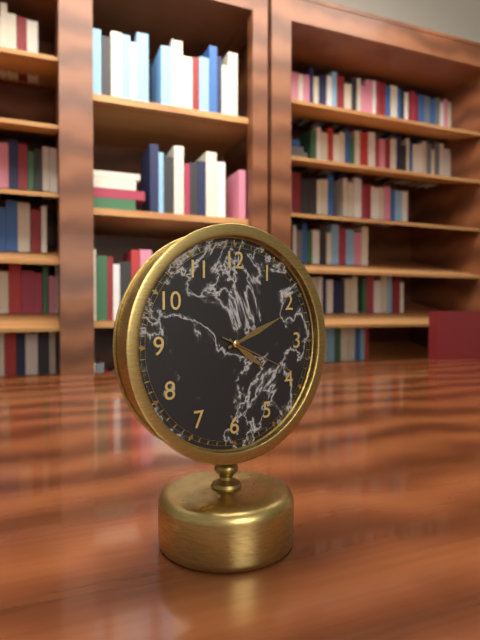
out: 4:11:19
